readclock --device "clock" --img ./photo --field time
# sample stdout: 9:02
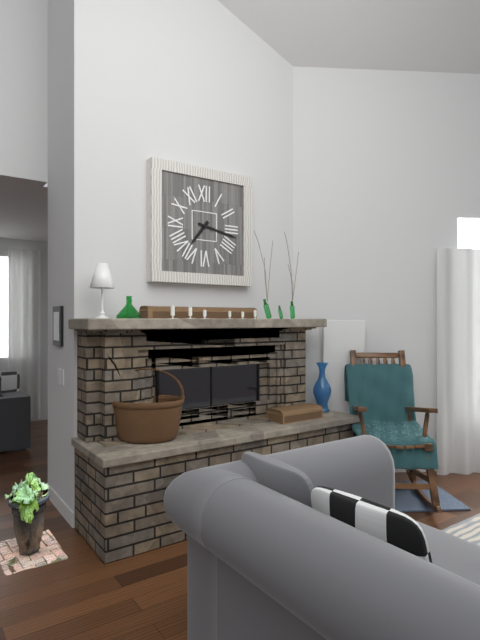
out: 7:17
